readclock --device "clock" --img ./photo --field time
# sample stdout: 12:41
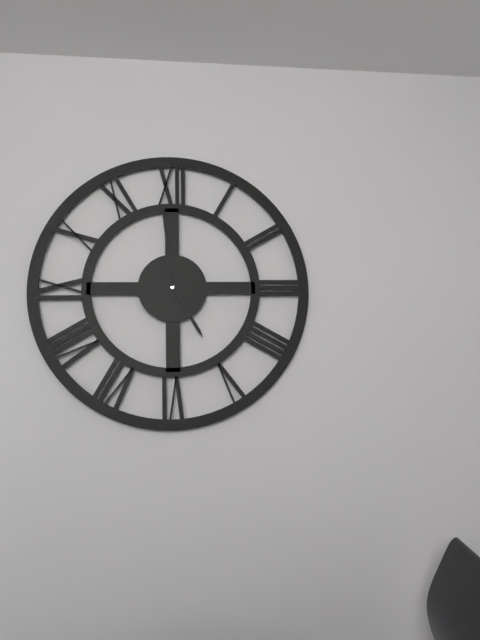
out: 4:59
